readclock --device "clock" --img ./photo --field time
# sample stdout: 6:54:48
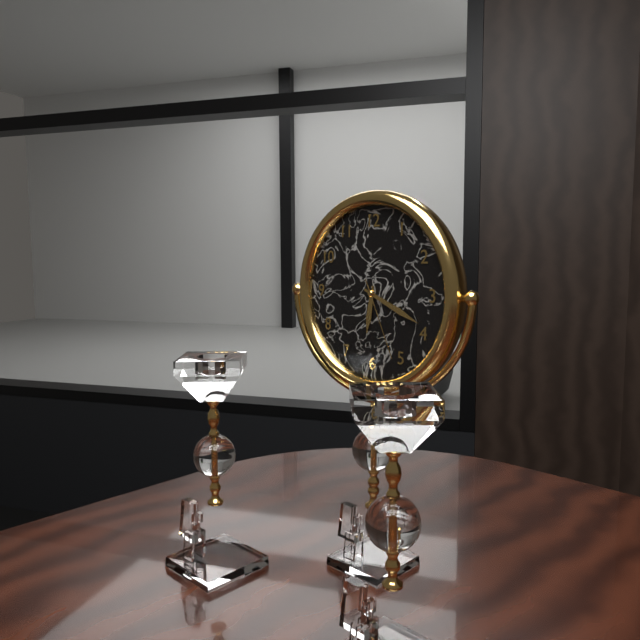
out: 6:19:26
